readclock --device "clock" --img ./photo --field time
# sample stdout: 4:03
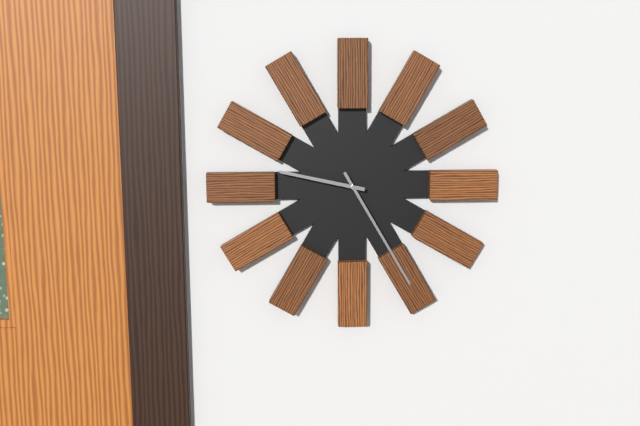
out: 9:25
